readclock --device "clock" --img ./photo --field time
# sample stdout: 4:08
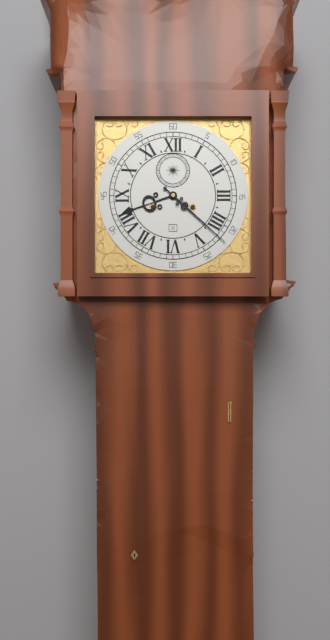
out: 8:22
